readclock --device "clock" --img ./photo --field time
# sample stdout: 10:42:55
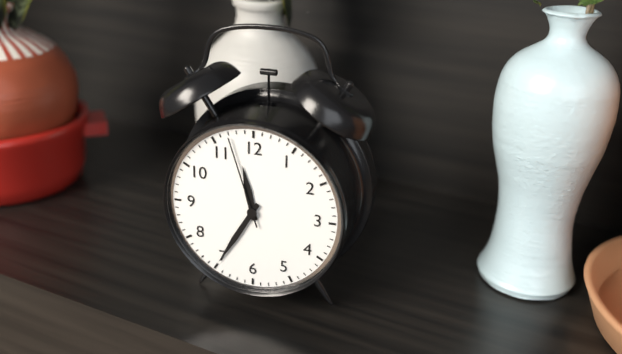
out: 11:35:57
